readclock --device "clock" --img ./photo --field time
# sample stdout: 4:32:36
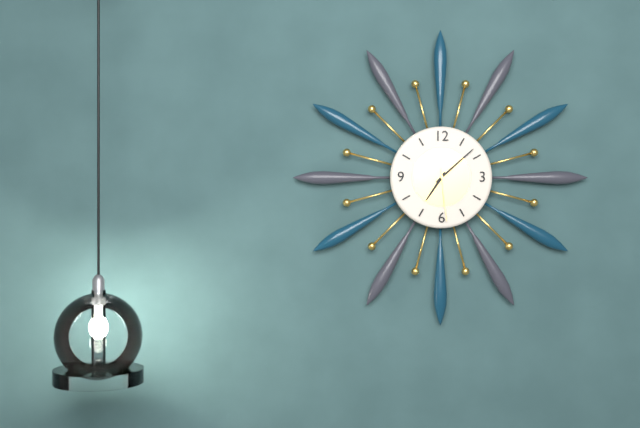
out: 7:08:29
